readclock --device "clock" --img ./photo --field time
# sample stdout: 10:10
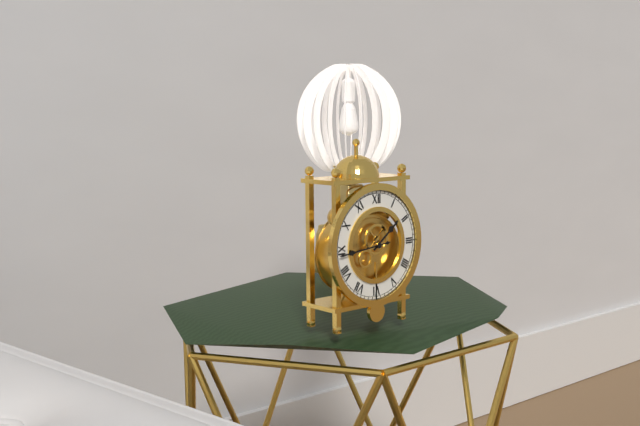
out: 1:44
